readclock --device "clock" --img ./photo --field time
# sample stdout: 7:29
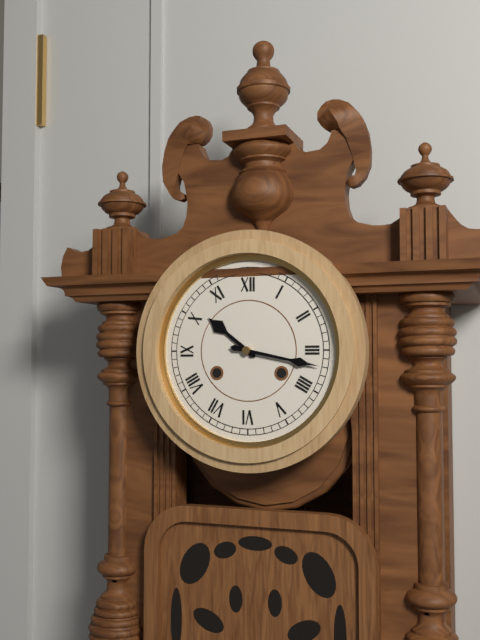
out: 10:17
